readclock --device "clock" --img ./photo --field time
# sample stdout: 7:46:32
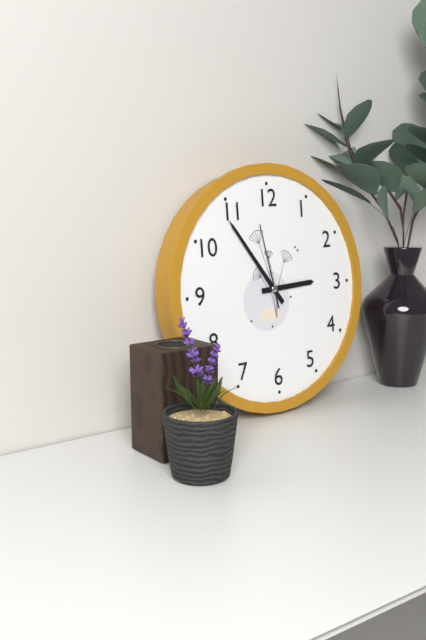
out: 2:54:58
